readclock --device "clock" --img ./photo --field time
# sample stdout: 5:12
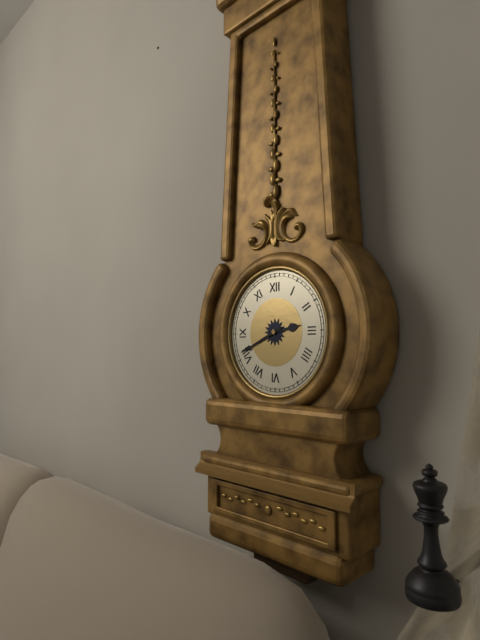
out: 2:41
